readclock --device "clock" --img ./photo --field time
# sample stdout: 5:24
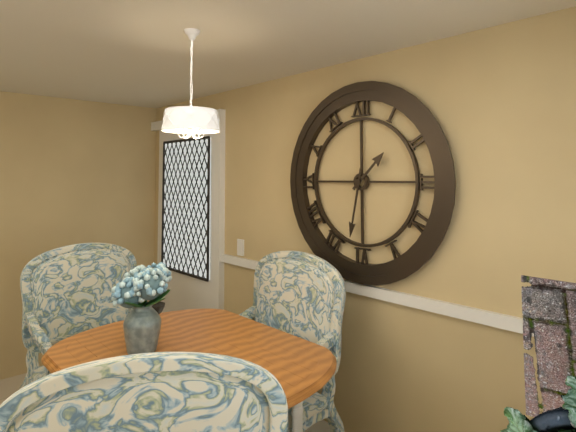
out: 1:32
